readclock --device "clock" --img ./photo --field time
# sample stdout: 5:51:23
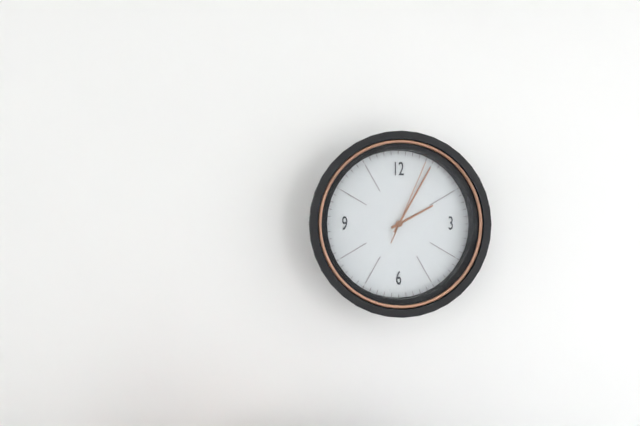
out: 2:05:04
